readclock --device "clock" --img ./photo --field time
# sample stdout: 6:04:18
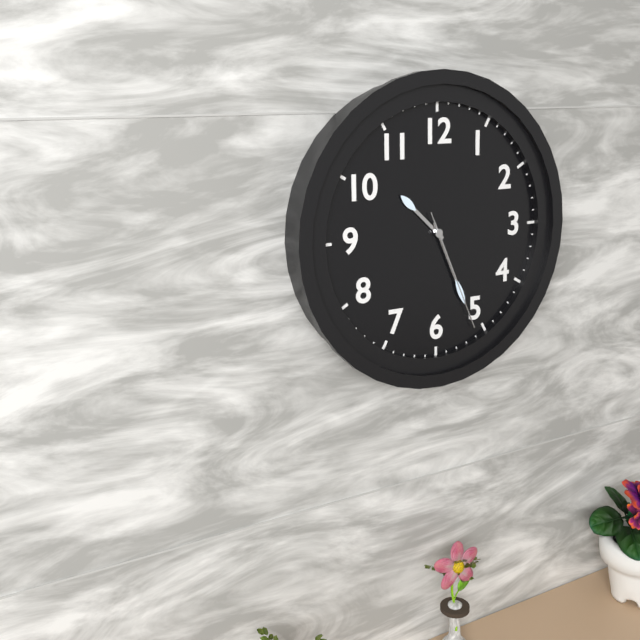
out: 10:26:26
